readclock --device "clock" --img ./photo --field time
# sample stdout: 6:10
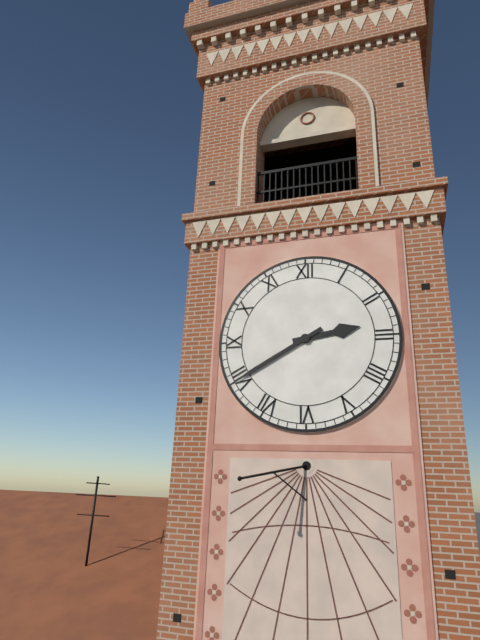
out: 2:40
